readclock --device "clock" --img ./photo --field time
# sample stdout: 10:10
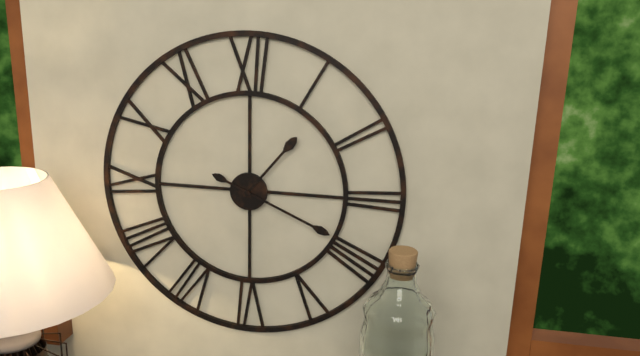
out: 1:19
